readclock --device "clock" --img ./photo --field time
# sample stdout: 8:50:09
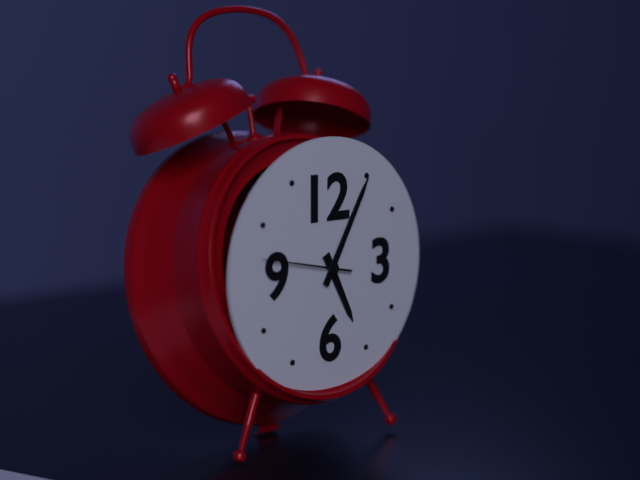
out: 5:05:47
